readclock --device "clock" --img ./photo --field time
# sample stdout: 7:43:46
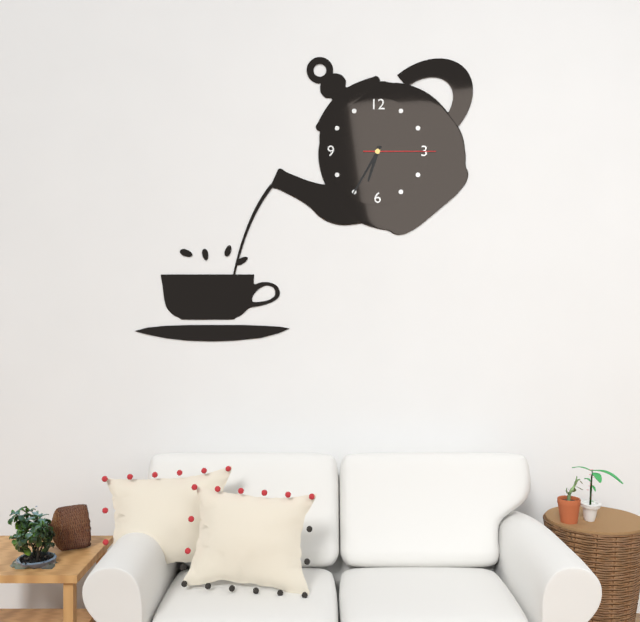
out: 6:35:15
